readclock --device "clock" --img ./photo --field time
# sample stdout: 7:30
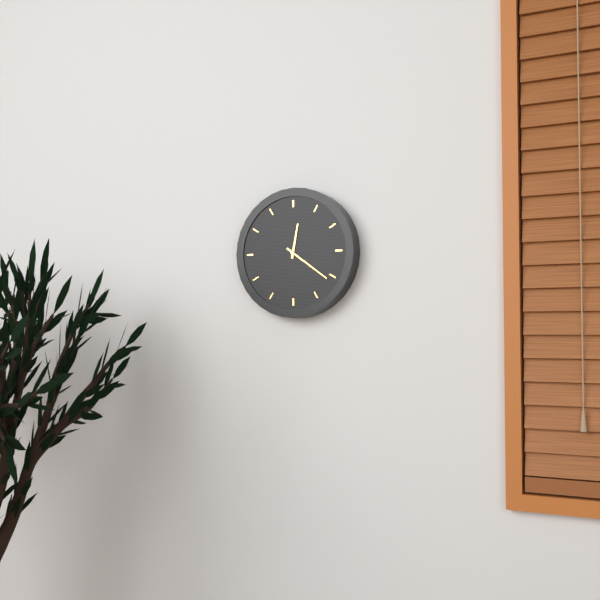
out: 12:21
